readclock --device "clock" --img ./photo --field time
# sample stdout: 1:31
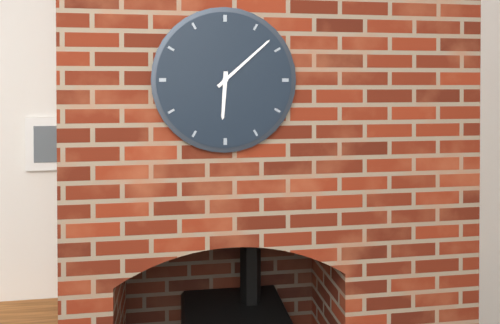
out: 6:08
